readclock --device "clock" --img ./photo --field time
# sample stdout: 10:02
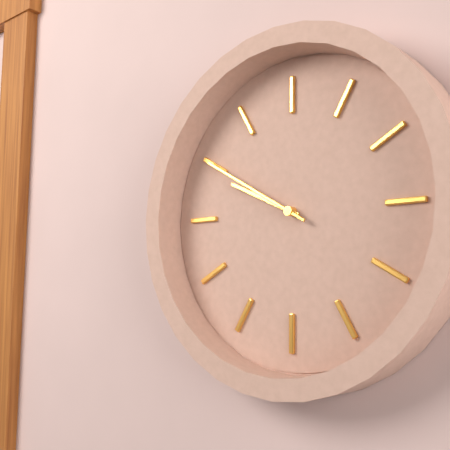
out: 9:50
